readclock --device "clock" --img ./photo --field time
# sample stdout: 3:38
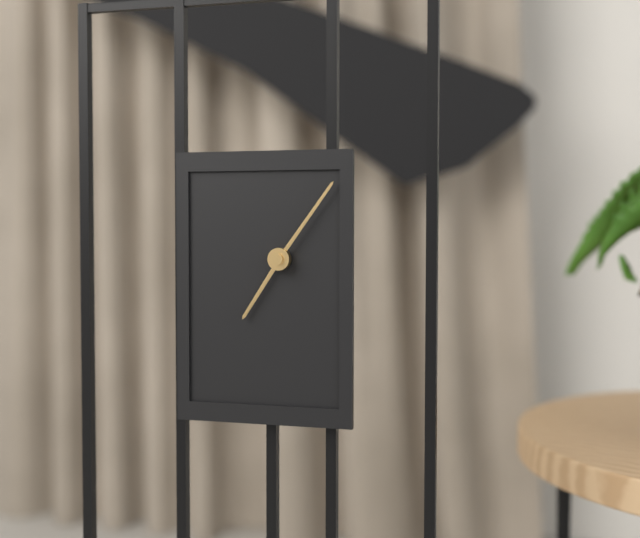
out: 7:06
